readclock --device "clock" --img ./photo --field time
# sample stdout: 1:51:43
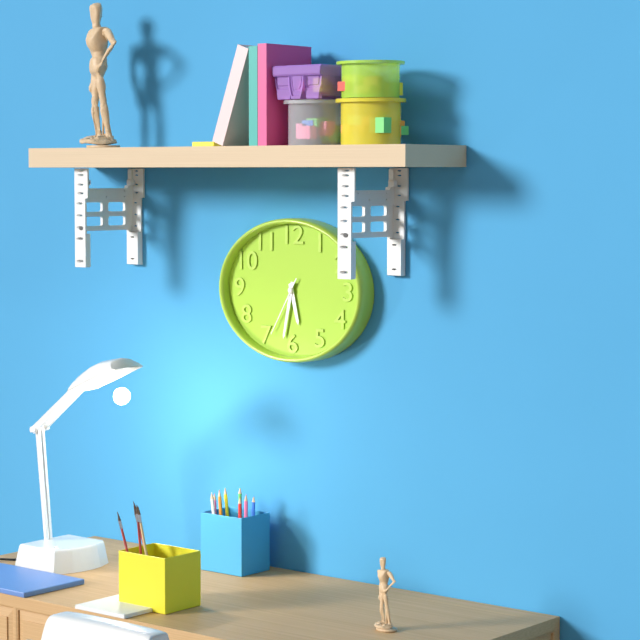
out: 5:32:35
